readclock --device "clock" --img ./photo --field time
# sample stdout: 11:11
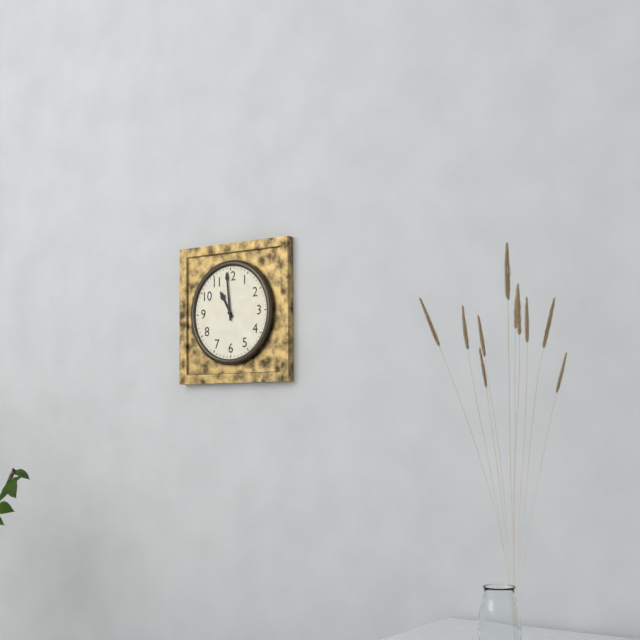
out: 10:59
